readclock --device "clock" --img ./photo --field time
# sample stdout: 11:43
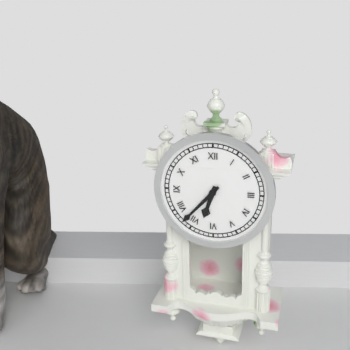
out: 6:37
